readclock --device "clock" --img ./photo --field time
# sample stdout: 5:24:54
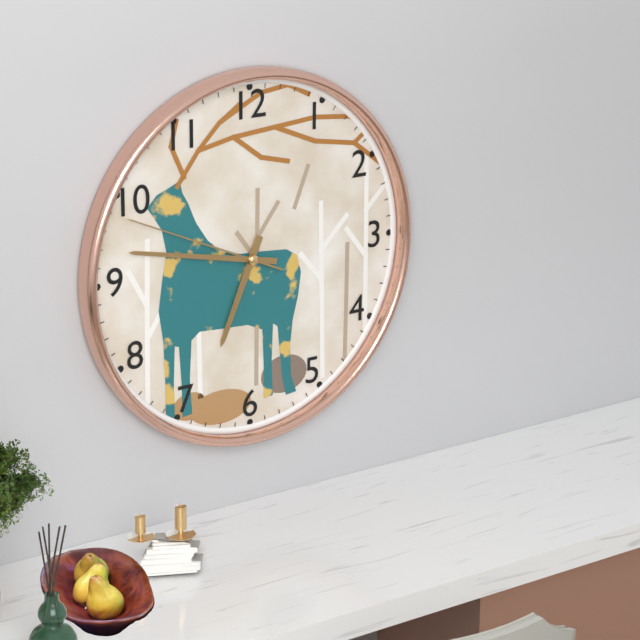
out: 6:47:49
